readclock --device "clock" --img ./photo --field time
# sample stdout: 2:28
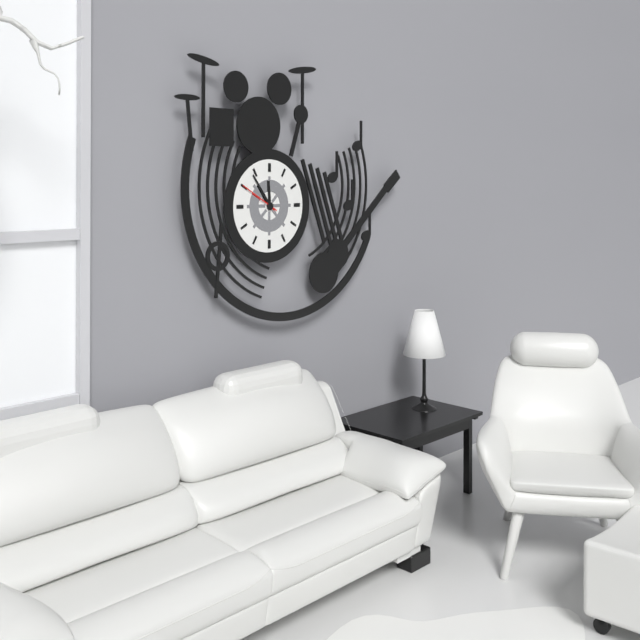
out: 11:54
